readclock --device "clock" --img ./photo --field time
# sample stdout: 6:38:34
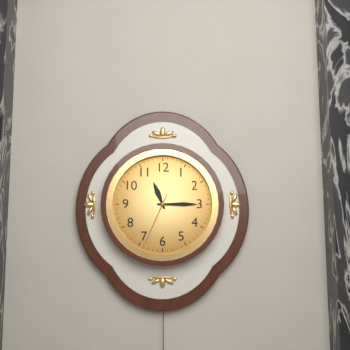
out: 11:15:34
